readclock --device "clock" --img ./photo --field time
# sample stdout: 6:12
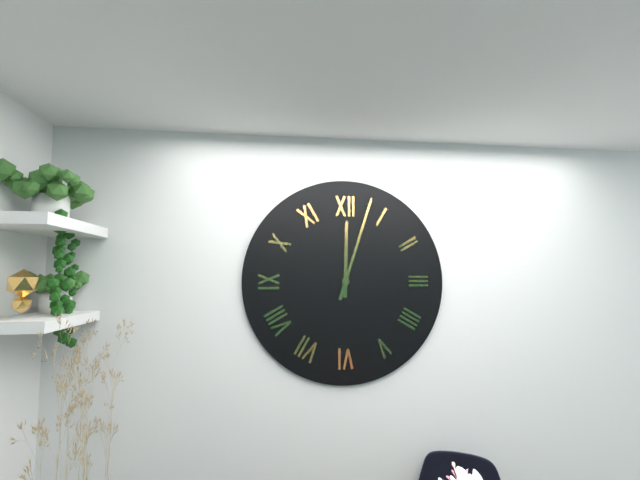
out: 12:03
